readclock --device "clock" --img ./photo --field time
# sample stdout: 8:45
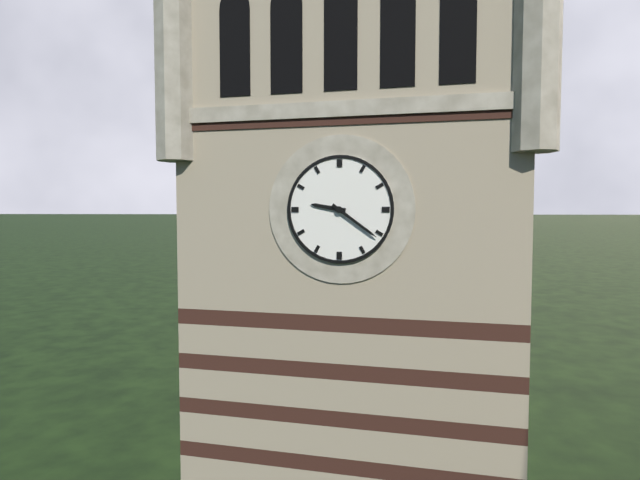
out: 9:21
